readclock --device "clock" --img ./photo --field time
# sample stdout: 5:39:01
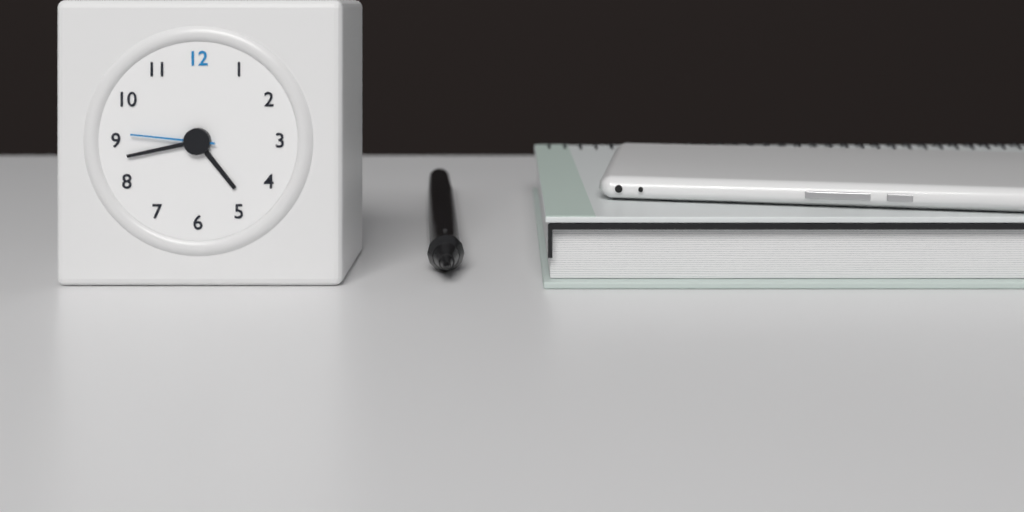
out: 4:43:46
